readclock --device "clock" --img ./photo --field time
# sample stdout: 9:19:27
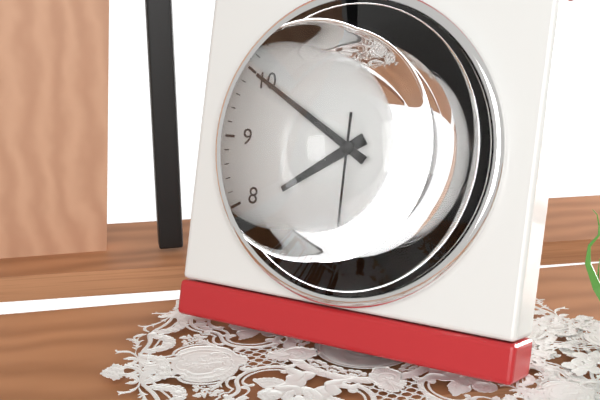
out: 7:50:30
